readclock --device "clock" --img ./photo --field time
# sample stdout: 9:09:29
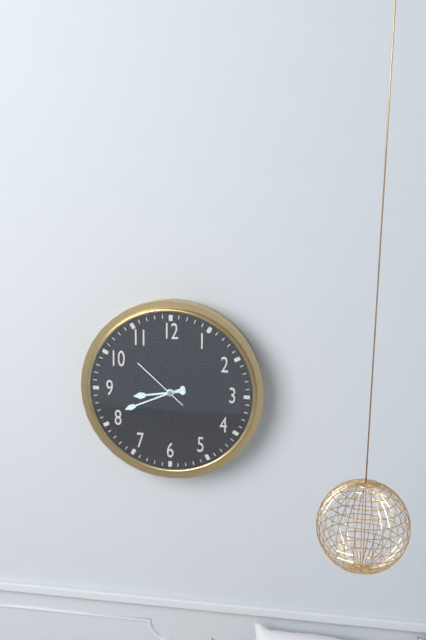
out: 8:41:52
